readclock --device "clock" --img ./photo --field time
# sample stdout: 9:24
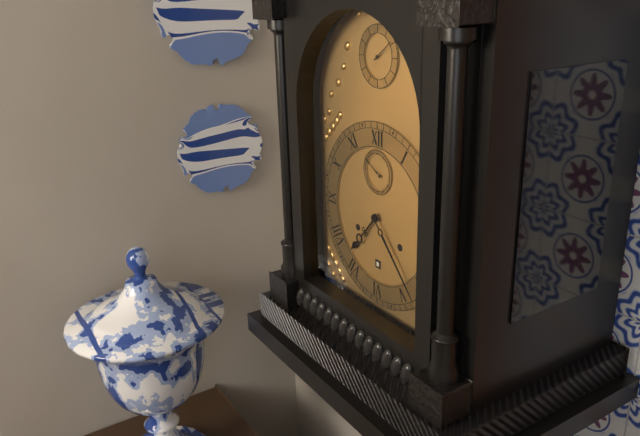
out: 7:23
